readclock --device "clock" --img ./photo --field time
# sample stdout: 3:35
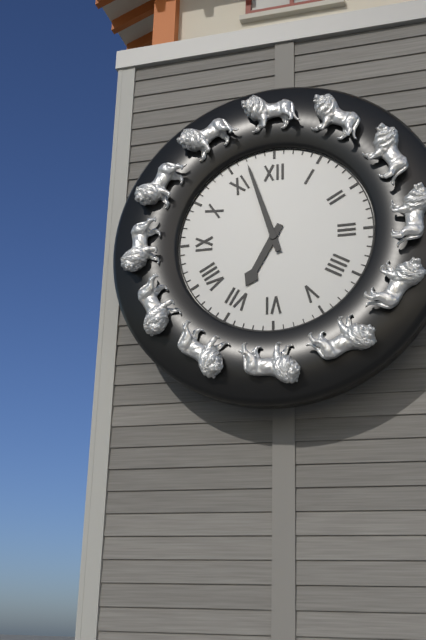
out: 6:57
